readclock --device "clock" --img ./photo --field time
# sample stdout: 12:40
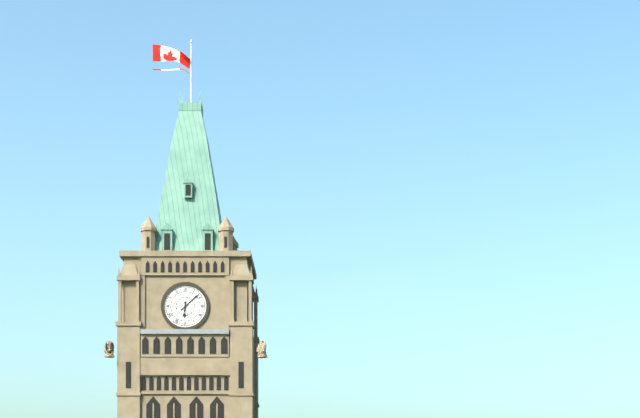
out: 6:08
